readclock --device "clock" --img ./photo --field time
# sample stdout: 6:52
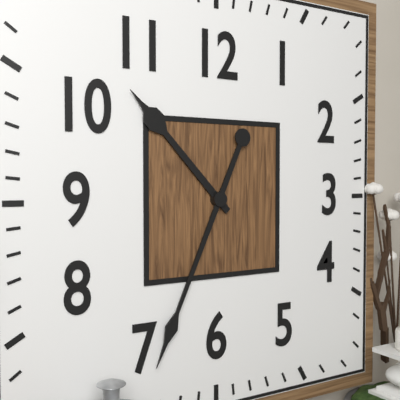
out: 10:34
